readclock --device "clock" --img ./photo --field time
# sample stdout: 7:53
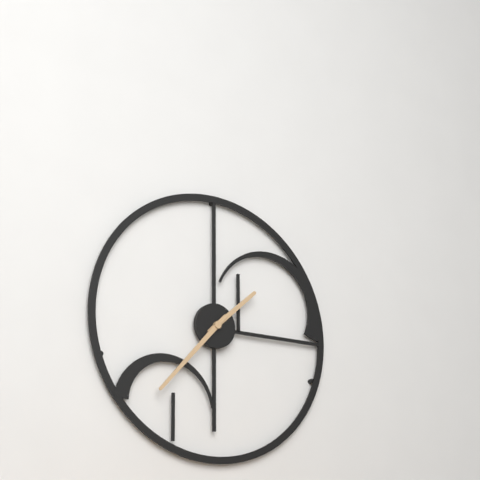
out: 1:37
